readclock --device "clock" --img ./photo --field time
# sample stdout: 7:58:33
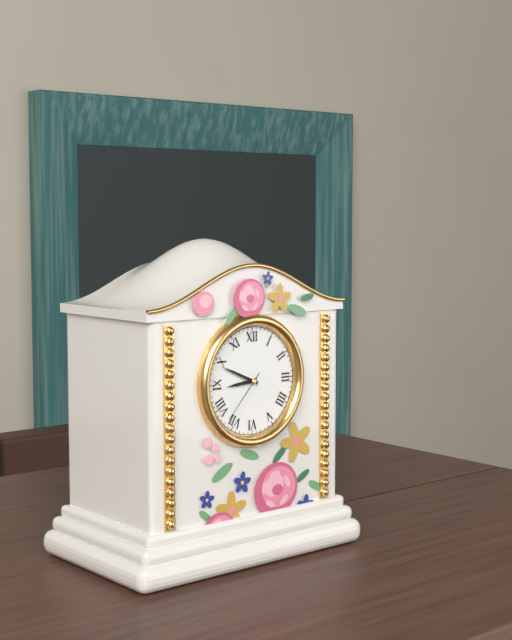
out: 8:49:37
